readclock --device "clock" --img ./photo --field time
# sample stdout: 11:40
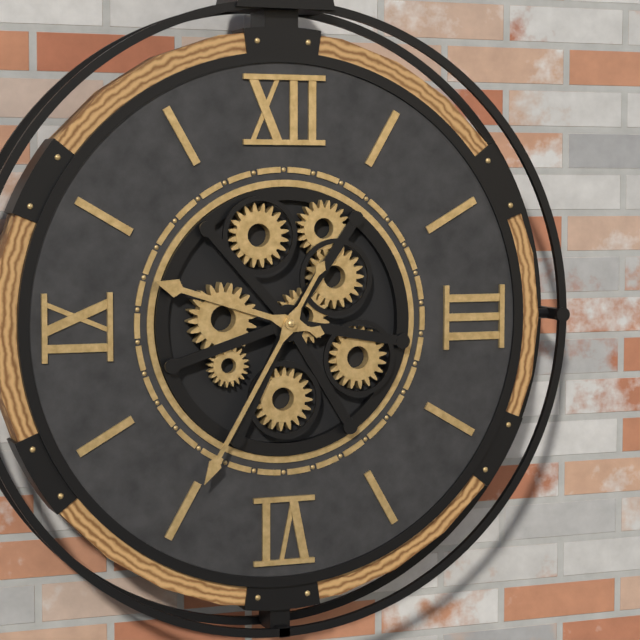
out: 9:35
